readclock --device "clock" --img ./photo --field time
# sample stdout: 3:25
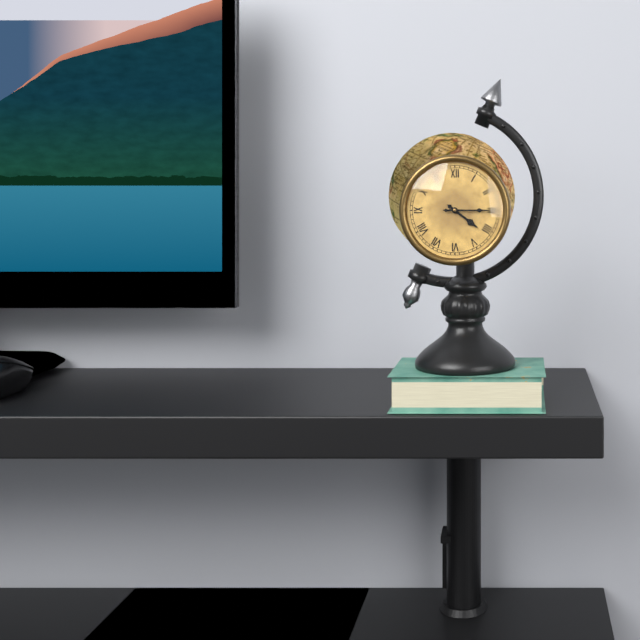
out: 4:15
